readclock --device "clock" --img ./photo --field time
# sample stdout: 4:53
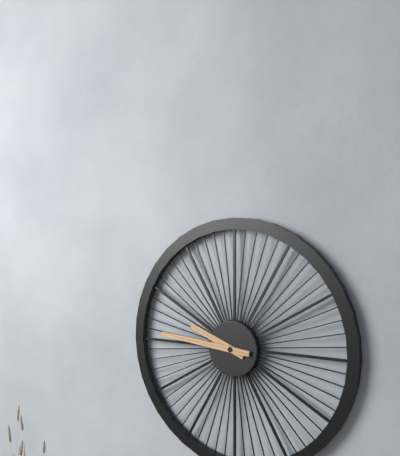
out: 9:46
